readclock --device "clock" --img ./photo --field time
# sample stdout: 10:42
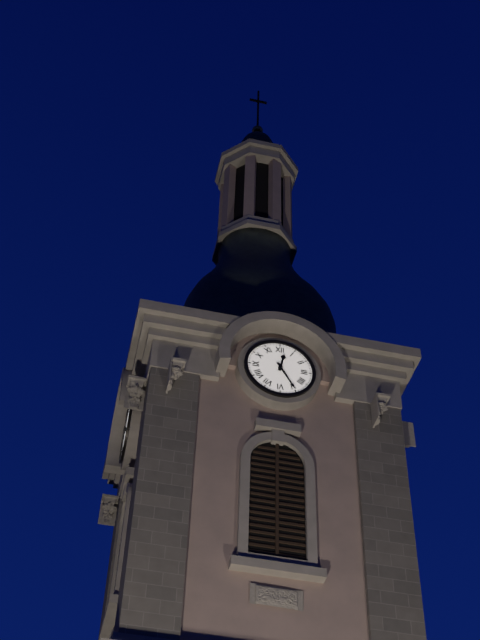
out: 12:25
